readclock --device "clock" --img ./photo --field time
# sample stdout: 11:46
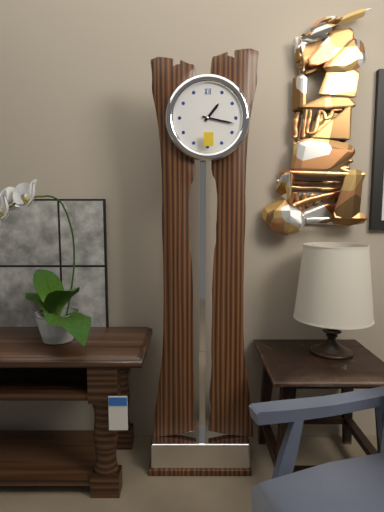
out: 1:17
